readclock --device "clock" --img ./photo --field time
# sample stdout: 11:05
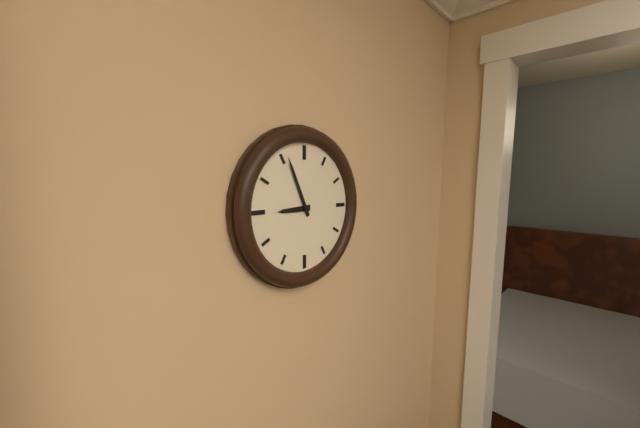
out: 8:56
